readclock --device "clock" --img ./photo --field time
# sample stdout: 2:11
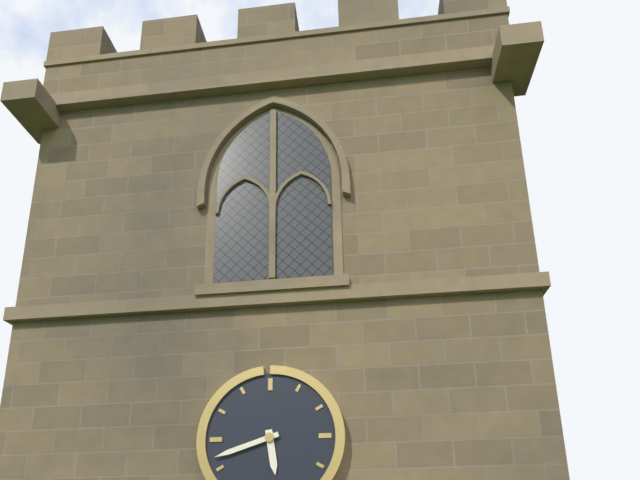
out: 5:42
